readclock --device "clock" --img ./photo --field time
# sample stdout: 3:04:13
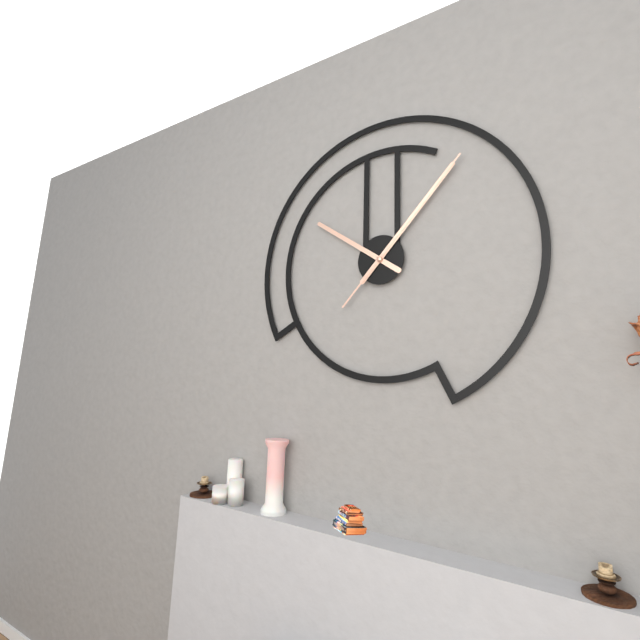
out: 10:07:07
